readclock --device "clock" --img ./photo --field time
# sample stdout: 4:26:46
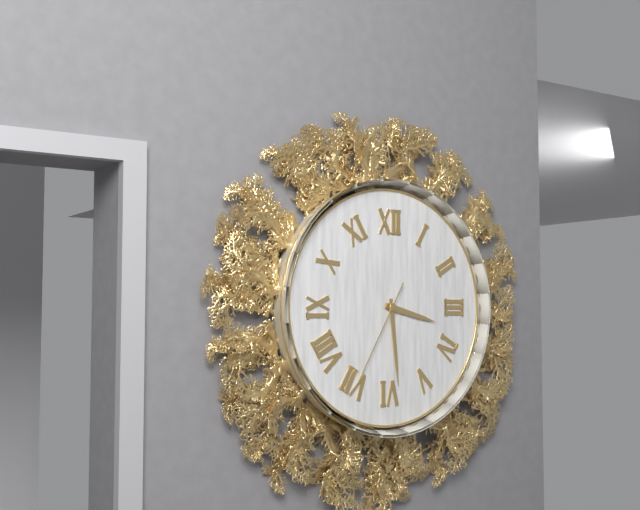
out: 3:29:35
